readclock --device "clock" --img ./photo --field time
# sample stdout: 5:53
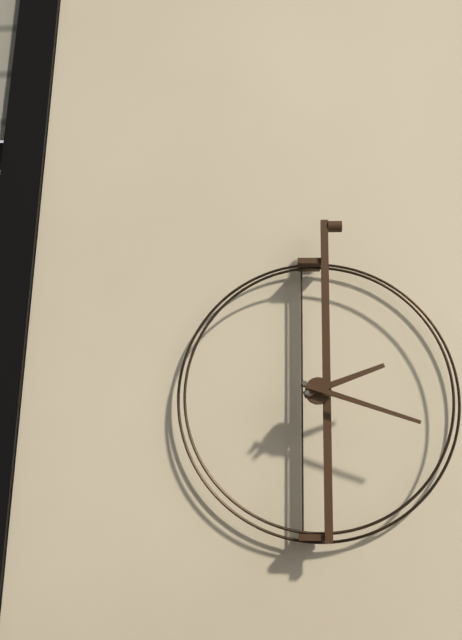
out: 2:18
